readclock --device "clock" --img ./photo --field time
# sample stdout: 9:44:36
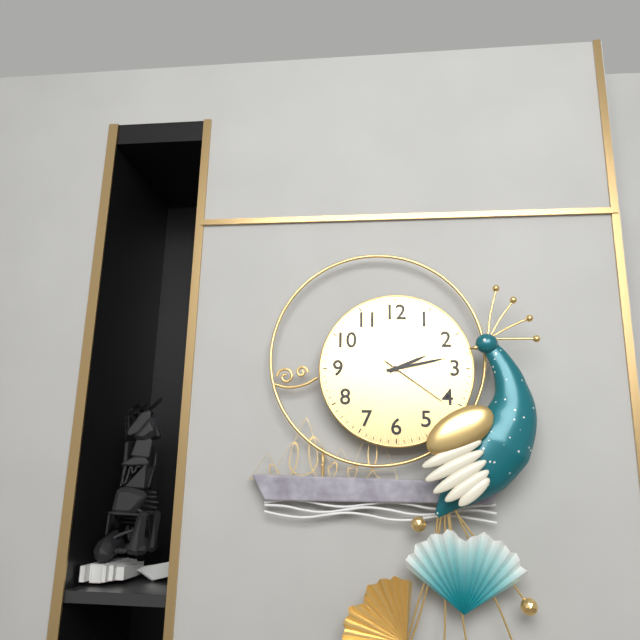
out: 2:13:21
